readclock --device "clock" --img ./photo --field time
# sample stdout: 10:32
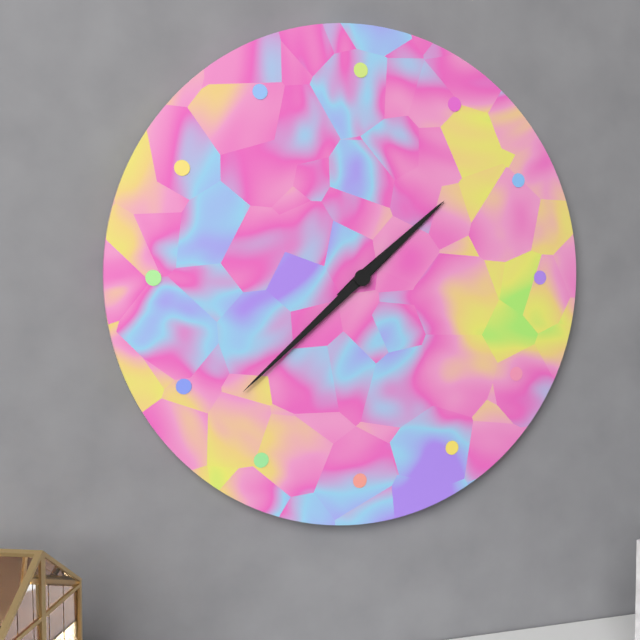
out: 1:38
